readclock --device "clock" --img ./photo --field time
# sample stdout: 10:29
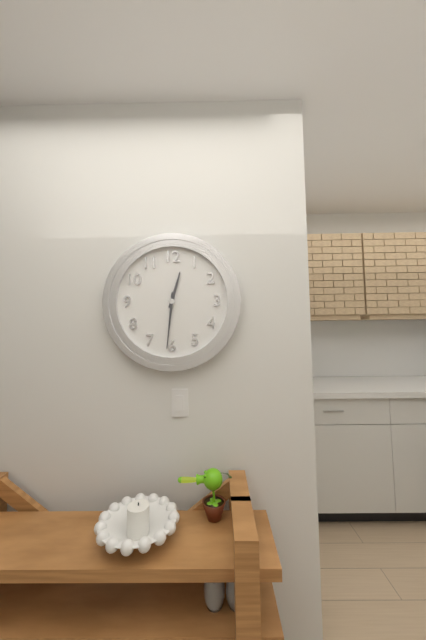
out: 12:31
